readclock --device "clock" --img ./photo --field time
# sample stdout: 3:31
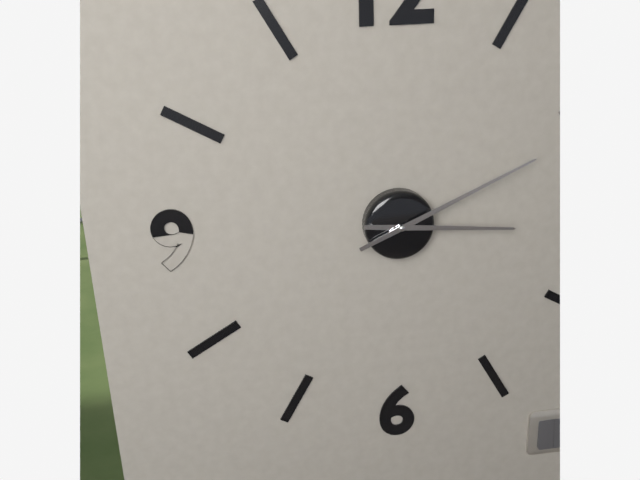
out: 3:11
